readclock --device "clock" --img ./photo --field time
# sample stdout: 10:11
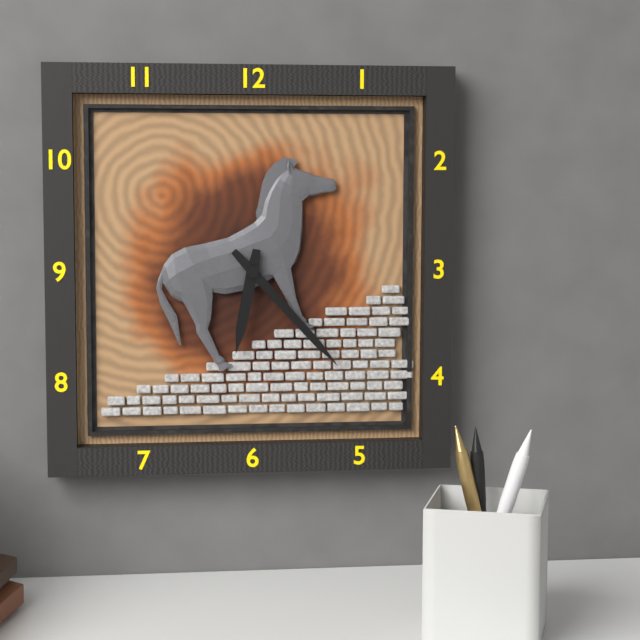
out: 6:23
